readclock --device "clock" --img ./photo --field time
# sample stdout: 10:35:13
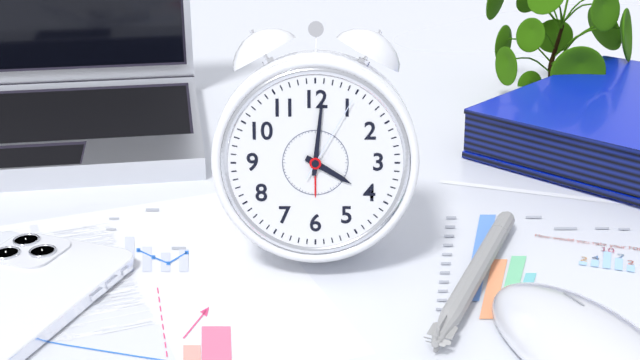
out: 4:01:05
